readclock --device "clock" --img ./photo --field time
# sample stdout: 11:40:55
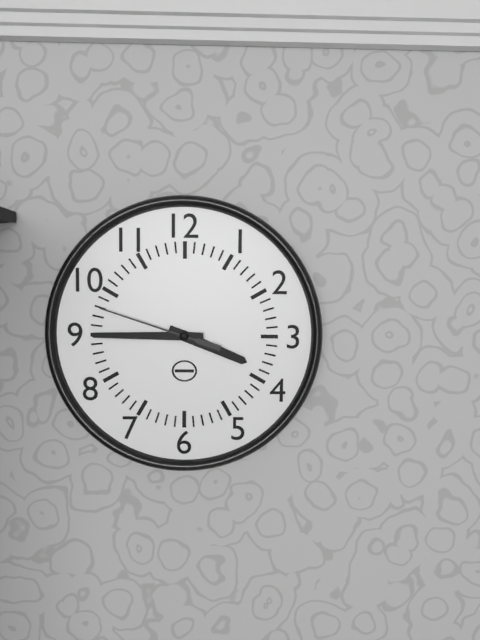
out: 3:45:48
